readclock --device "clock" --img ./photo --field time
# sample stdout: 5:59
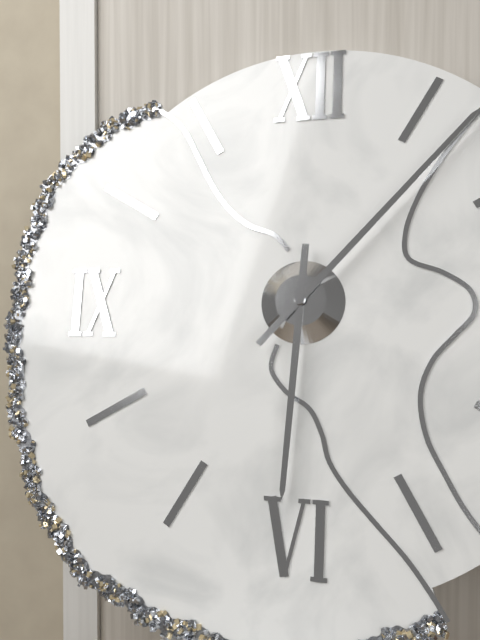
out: 6:07
